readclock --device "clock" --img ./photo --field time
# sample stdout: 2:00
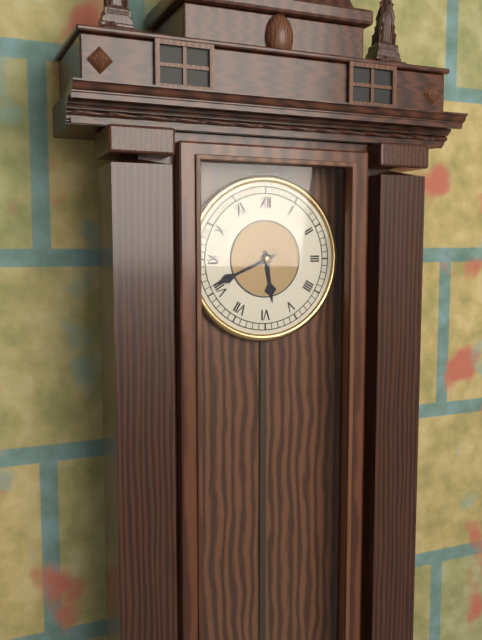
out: 5:41
